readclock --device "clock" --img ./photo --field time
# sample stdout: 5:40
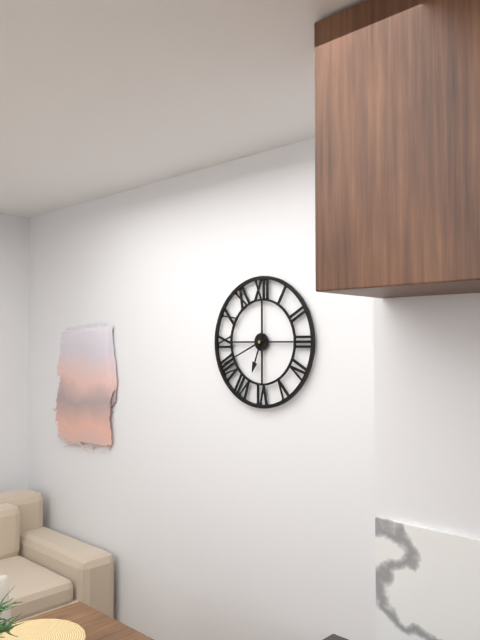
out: 6:41
